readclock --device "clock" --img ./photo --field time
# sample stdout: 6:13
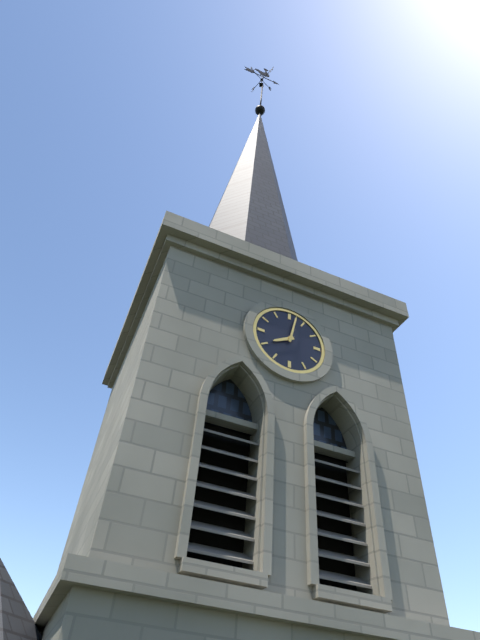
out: 8:02
